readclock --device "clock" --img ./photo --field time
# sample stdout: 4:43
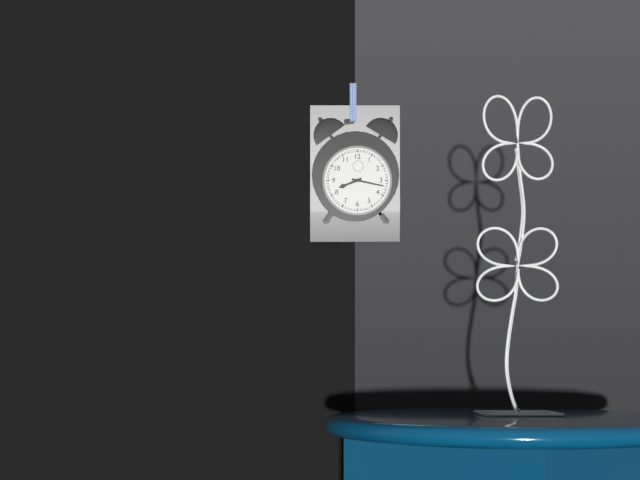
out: 8:17
